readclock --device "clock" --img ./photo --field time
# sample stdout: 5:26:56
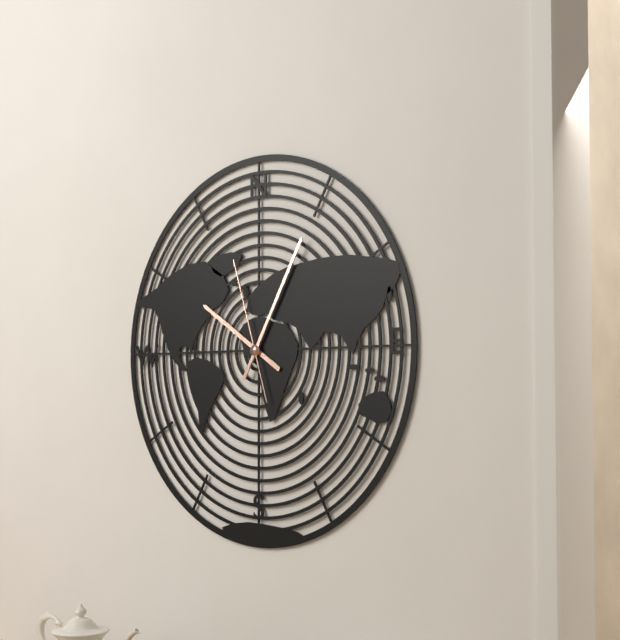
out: 10:05:57
